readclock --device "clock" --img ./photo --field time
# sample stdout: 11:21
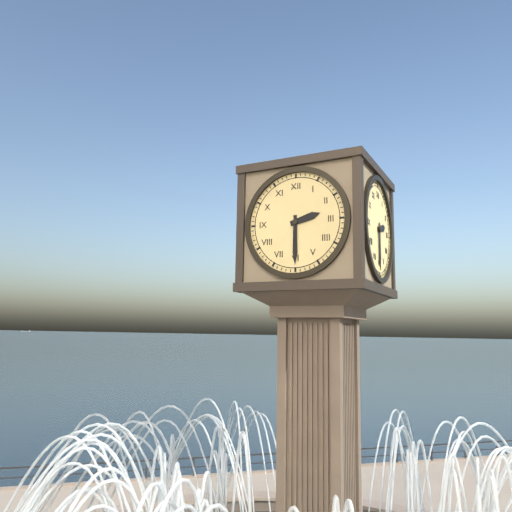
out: 2:30
